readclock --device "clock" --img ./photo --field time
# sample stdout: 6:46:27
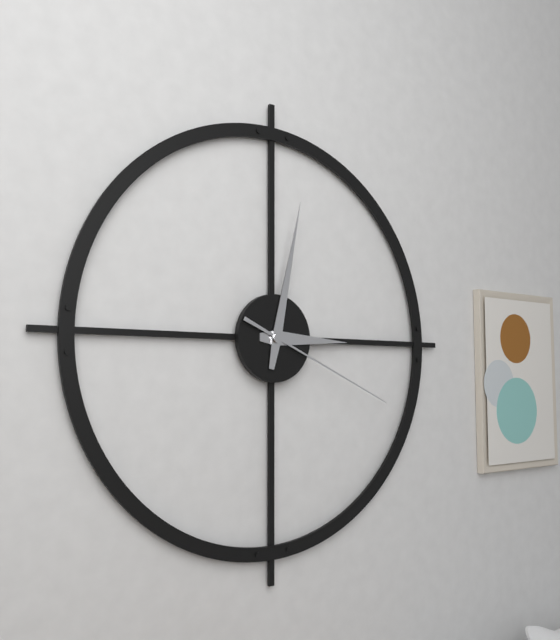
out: 3:02:19
